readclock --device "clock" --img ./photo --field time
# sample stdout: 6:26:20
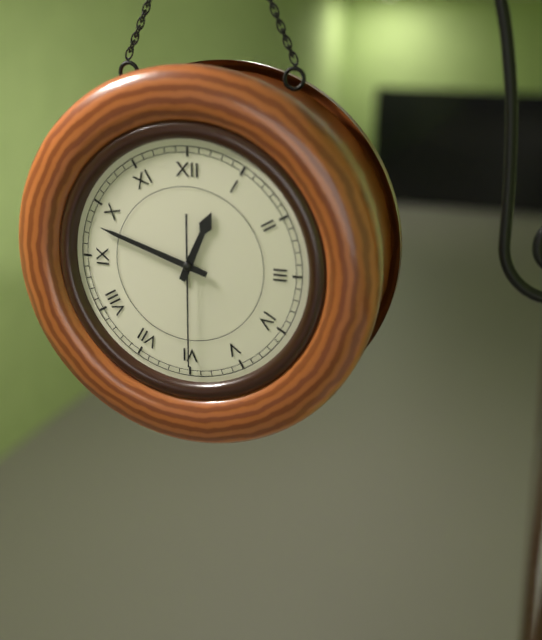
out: 12:48:30
